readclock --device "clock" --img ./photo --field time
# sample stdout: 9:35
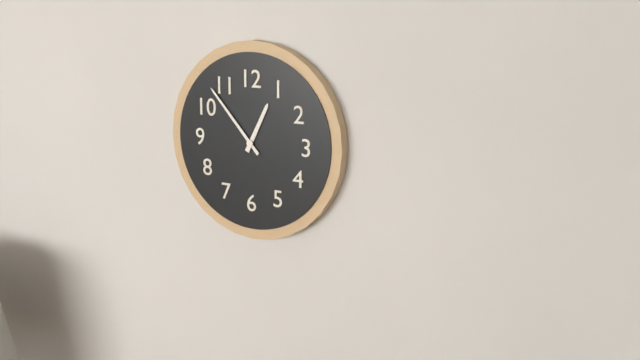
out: 12:53
